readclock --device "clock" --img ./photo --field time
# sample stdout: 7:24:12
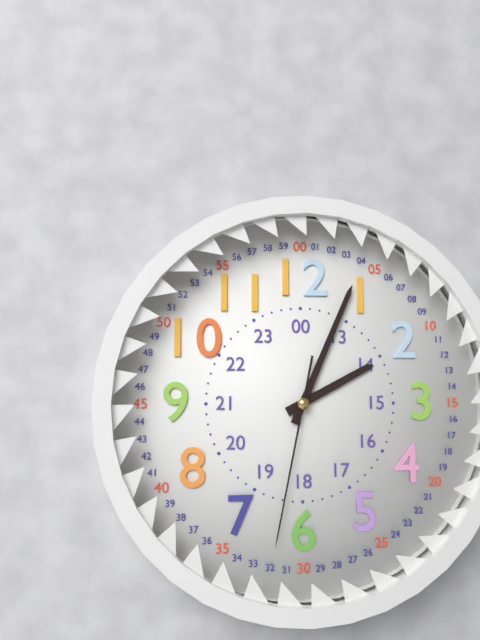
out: 2:04:32
